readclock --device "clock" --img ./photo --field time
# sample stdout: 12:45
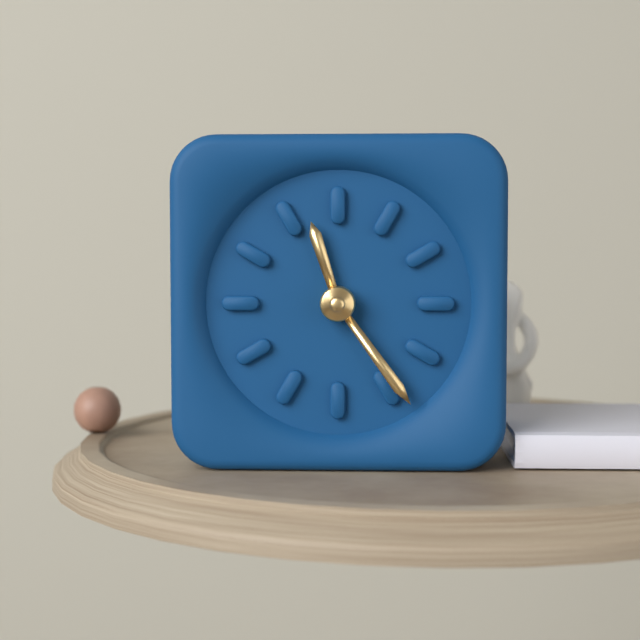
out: 11:24
